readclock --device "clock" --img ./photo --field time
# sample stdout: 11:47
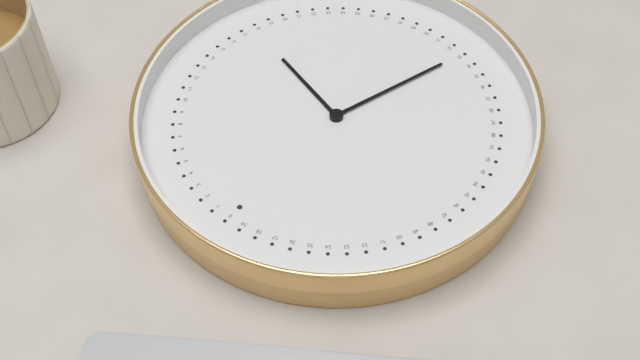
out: 3:33
